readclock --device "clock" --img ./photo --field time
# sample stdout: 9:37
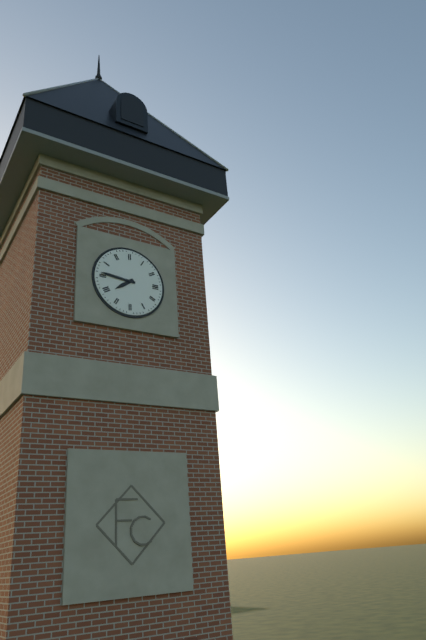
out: 7:46
